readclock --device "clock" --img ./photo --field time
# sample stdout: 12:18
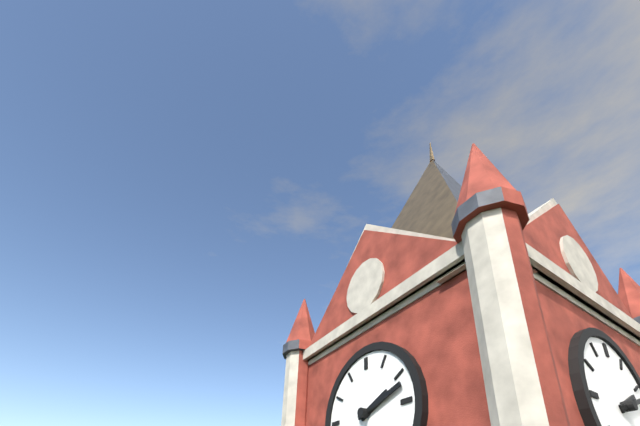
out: 2:12
